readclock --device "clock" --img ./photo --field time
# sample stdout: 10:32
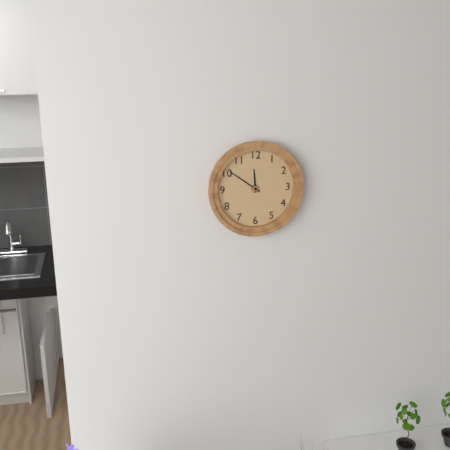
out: 11:51
